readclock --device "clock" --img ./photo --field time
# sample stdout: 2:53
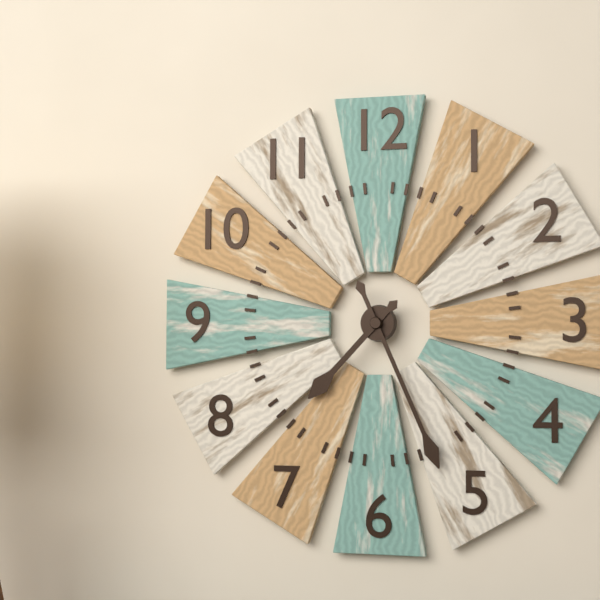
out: 7:26
